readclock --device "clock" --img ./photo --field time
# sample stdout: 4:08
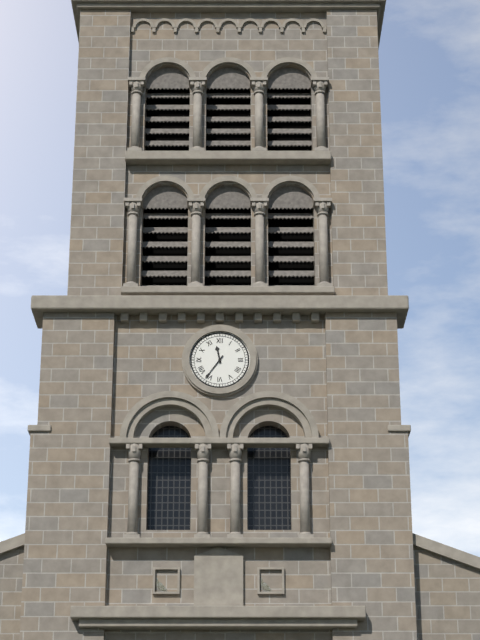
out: 11:36
